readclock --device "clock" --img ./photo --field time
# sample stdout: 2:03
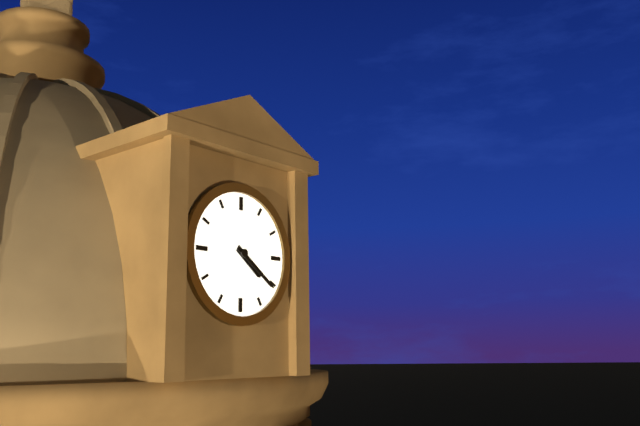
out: 4:21
